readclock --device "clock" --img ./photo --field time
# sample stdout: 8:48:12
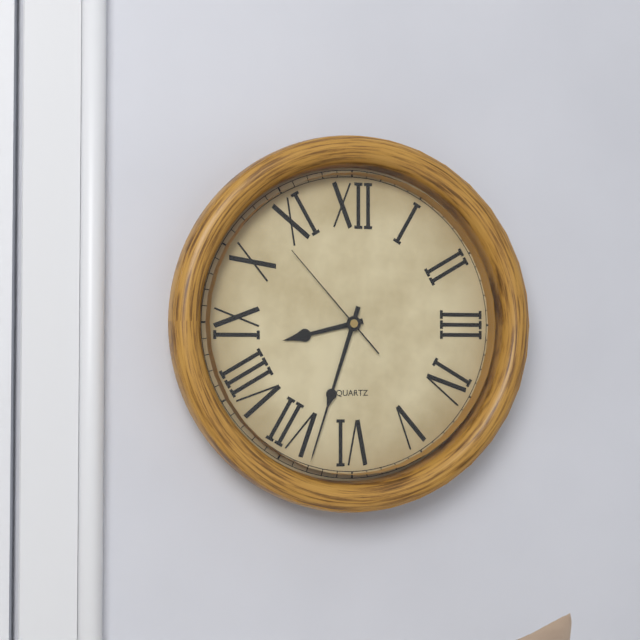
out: 8:33:53
